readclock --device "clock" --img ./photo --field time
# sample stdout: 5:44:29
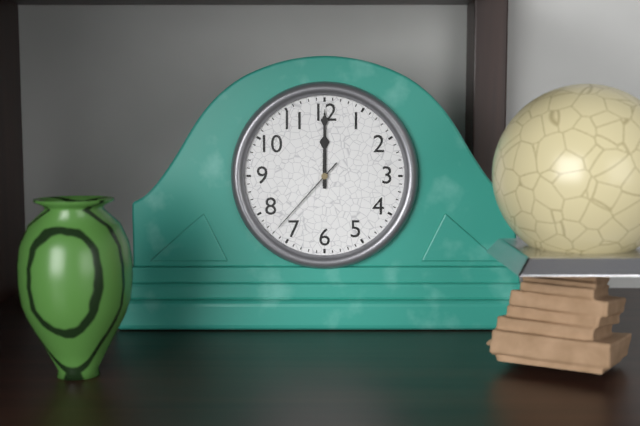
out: 12:00:37
